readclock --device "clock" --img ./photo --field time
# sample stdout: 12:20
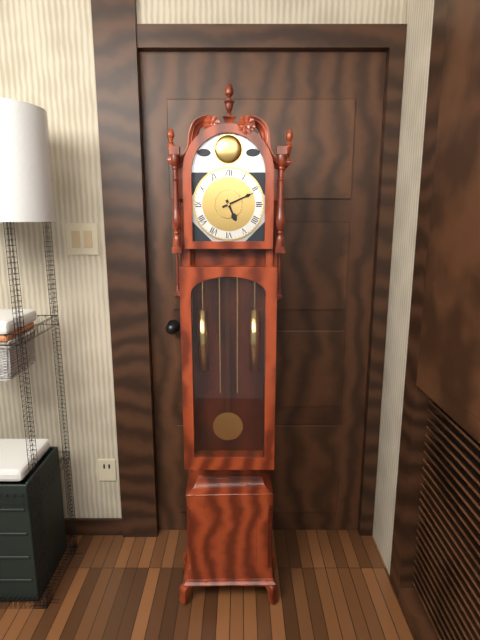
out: 5:11
